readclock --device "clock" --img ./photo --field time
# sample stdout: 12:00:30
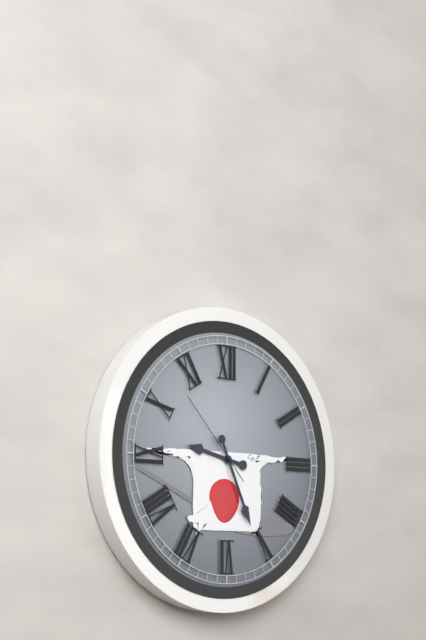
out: 9:26:53
